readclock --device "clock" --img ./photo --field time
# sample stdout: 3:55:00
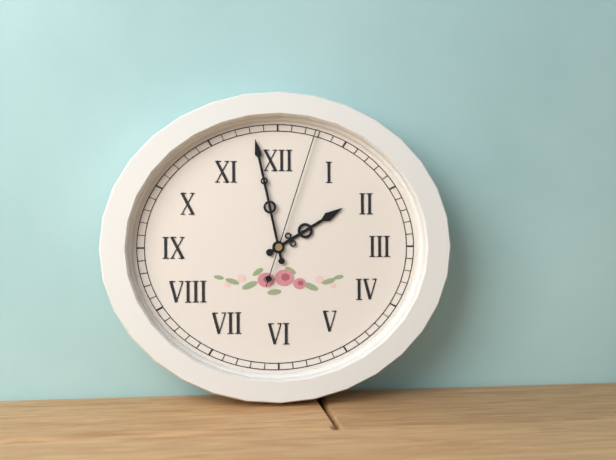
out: 1:58:03
